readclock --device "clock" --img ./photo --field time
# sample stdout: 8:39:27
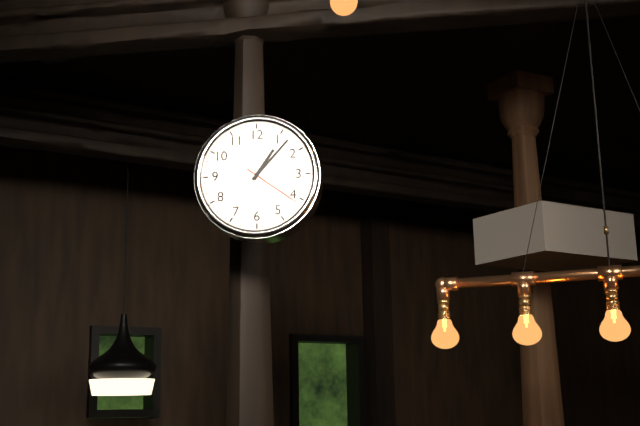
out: 1:07:21
